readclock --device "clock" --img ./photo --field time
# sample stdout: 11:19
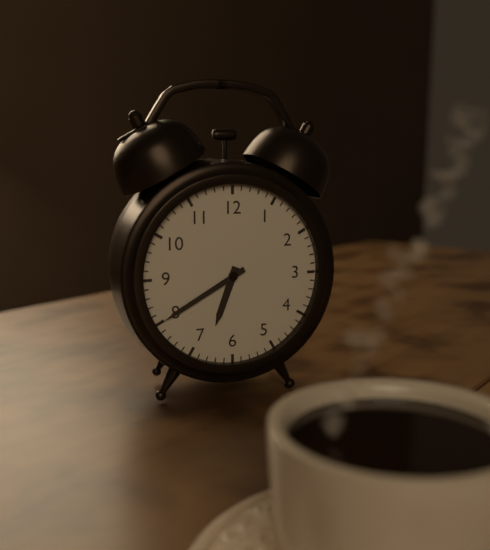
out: 6:40
